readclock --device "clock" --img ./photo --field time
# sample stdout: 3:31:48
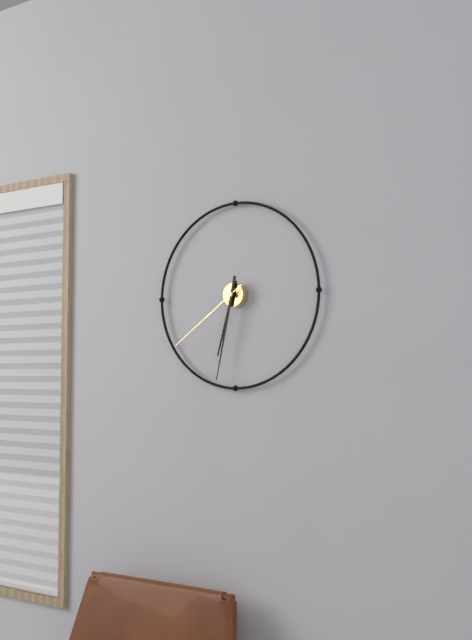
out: 6:32:39
